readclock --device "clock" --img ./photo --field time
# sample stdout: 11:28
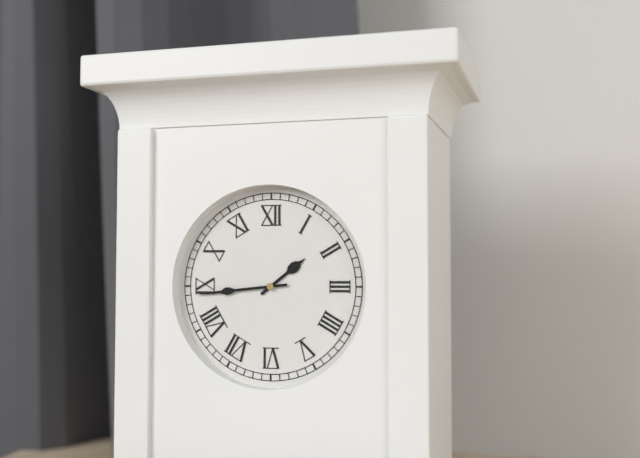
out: 1:44
